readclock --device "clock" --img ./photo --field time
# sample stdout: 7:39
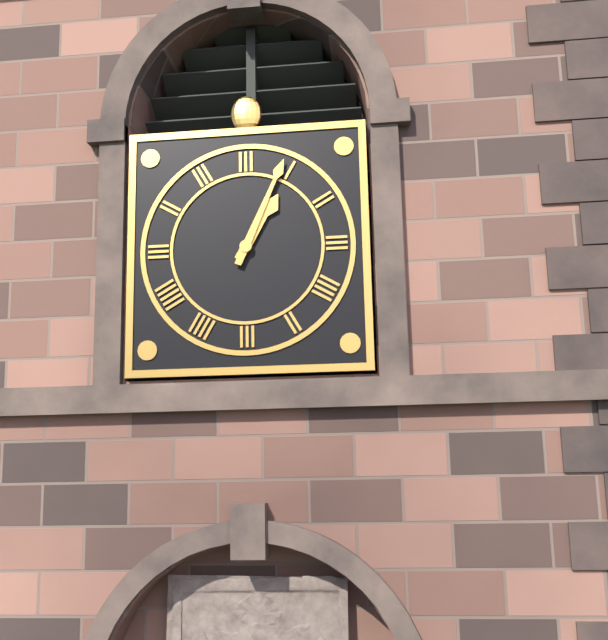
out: 1:04
